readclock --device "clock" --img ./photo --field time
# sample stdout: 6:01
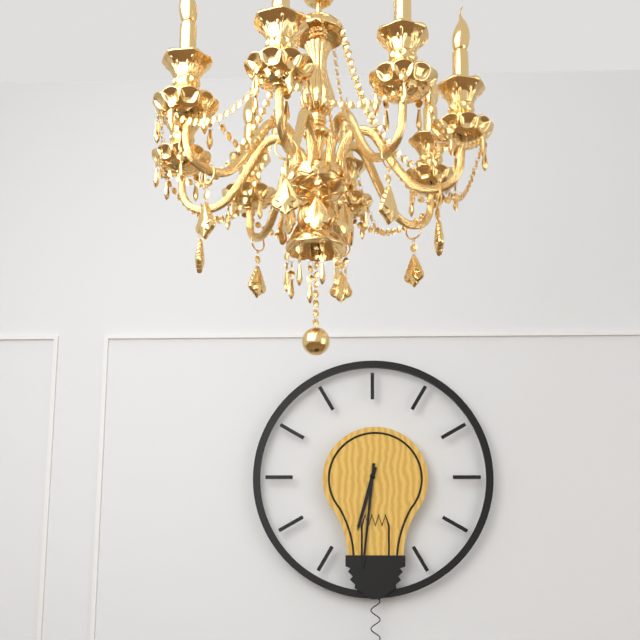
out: 6:31
